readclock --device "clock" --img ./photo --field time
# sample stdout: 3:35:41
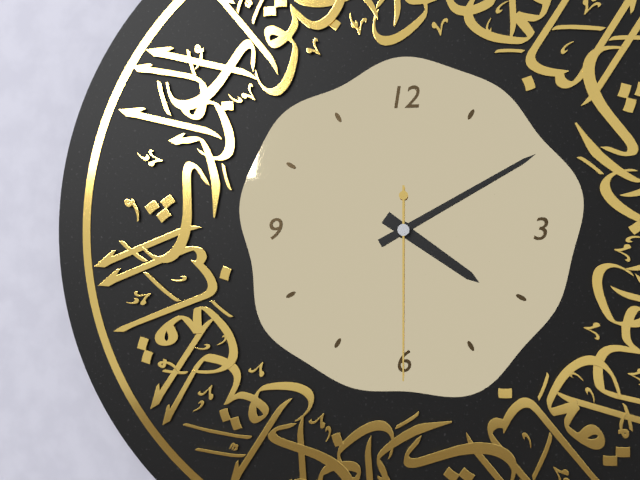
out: 4:10:30
